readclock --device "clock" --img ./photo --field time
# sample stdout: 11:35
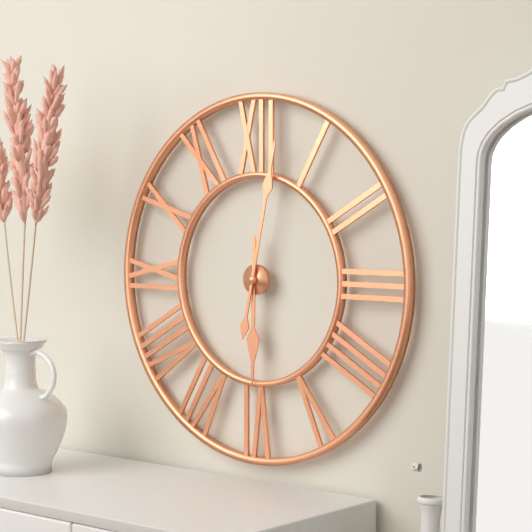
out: 6:02
